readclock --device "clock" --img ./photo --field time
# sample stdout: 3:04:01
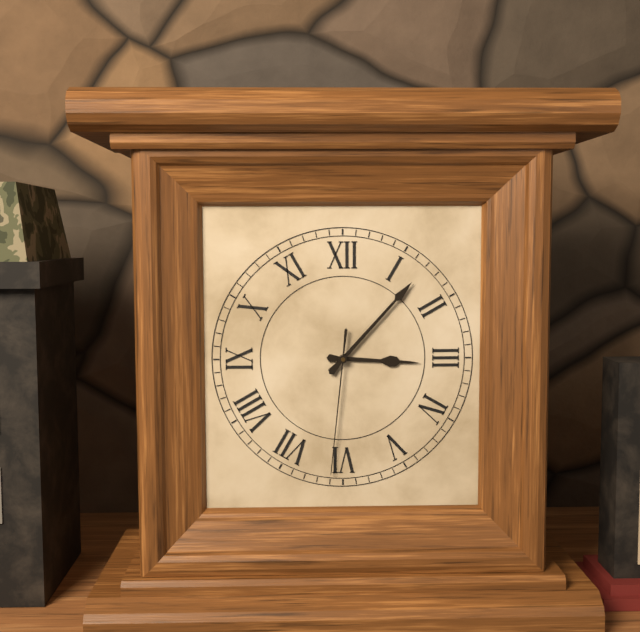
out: 3:07:31
